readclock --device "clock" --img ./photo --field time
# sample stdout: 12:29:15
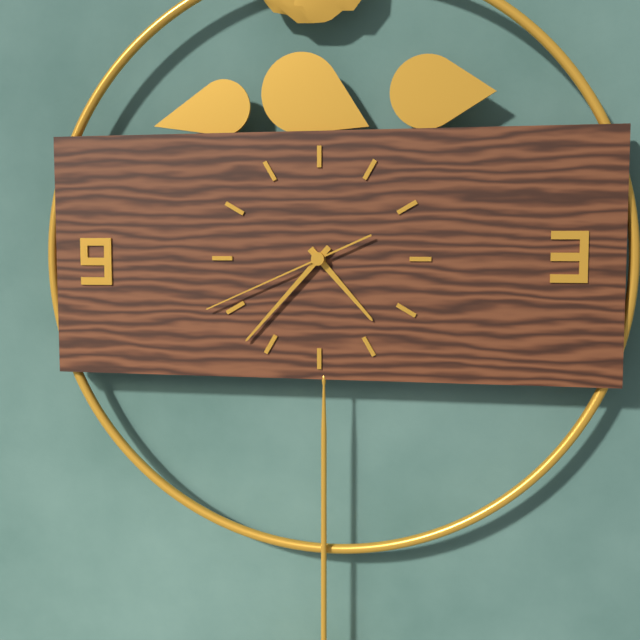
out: 4:37:41
